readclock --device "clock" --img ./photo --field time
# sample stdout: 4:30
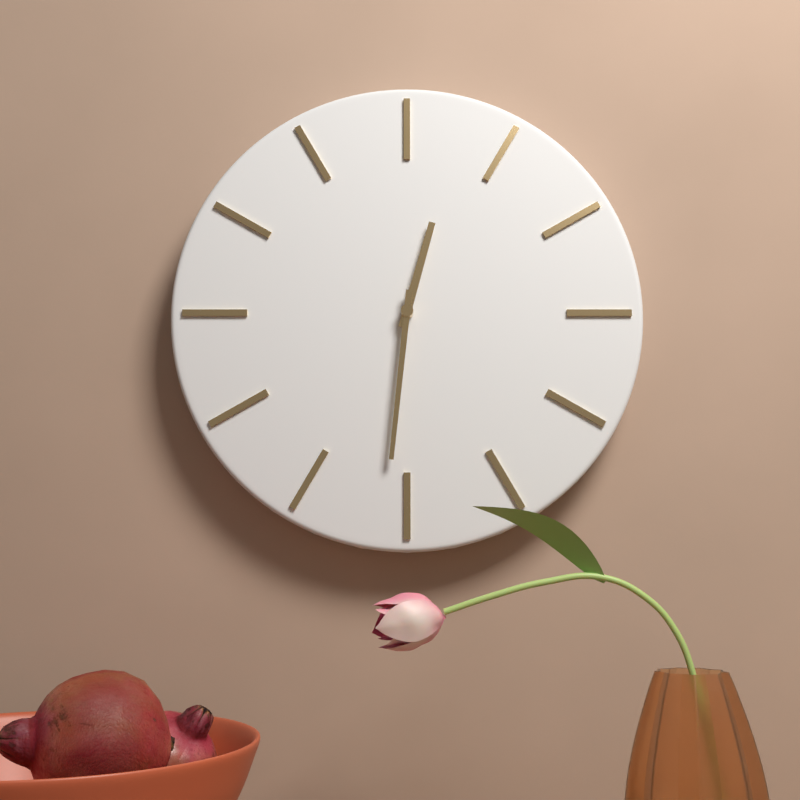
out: 12:31
